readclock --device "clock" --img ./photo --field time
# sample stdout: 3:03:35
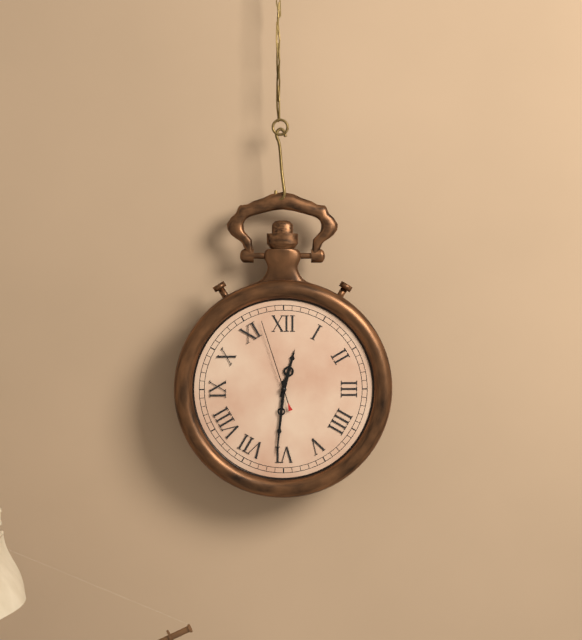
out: 12:31:57
